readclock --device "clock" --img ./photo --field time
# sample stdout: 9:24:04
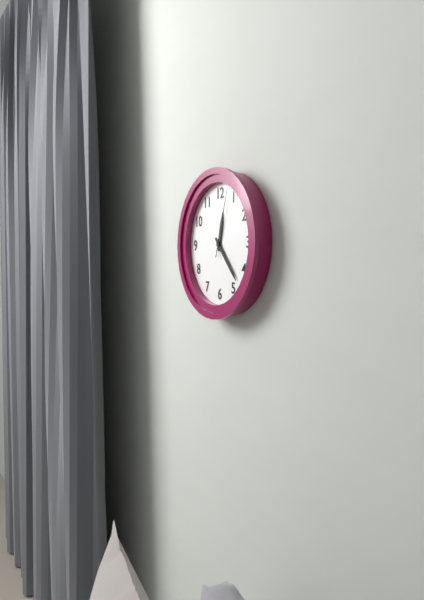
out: 12:23:03
